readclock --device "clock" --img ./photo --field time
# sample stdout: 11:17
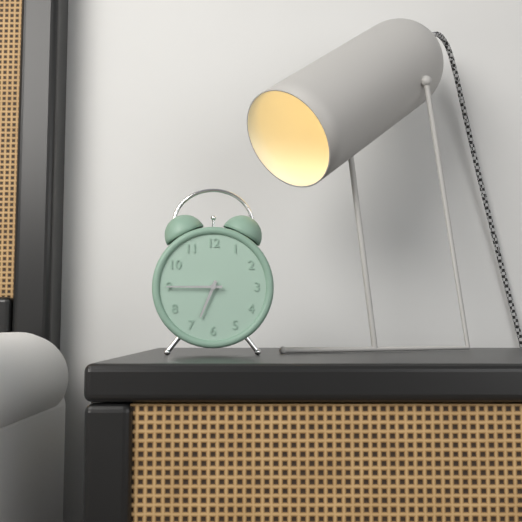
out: 6:45
